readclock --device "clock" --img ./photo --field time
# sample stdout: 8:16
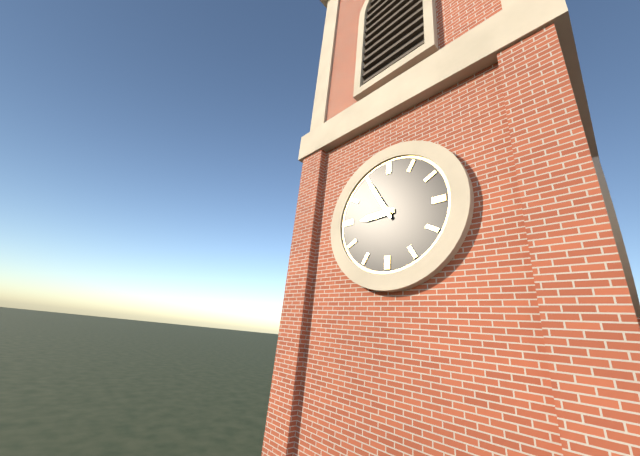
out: 8:55
